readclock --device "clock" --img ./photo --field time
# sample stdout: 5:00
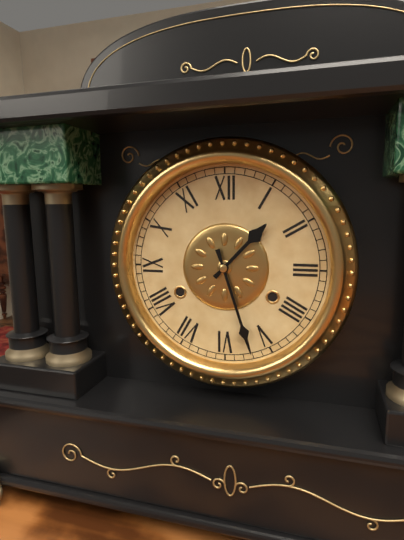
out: 1:27
